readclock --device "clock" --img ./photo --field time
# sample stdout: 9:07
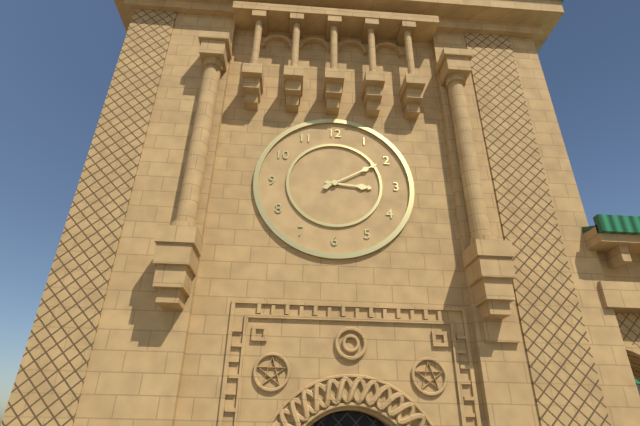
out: 3:10
